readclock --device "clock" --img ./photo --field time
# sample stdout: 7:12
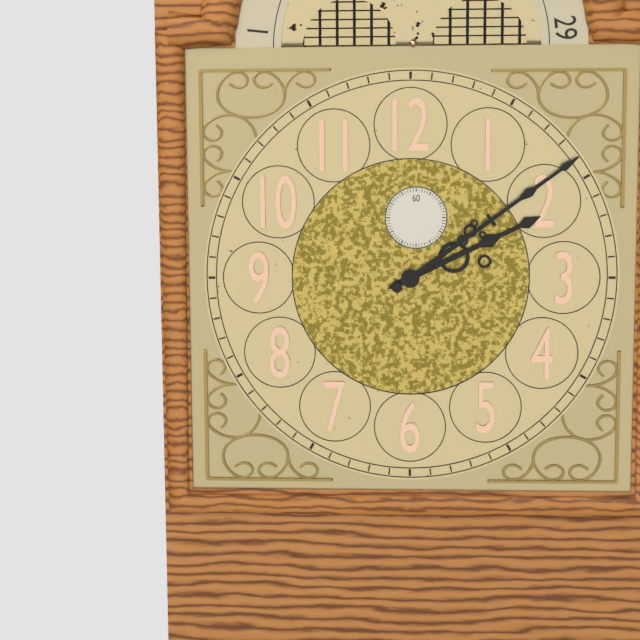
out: 2:09
